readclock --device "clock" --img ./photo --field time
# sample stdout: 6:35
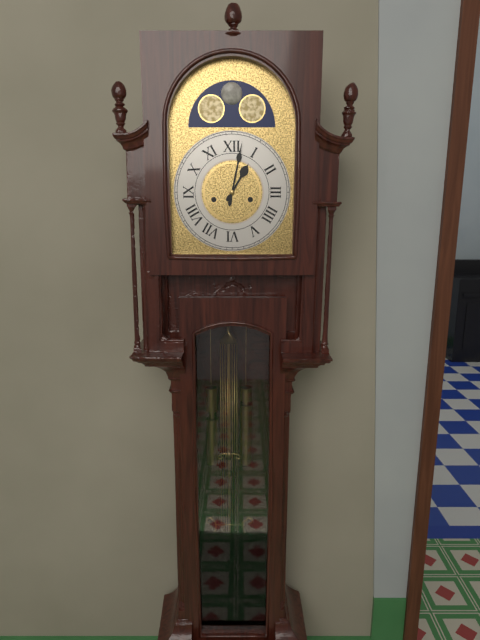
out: 1:02
